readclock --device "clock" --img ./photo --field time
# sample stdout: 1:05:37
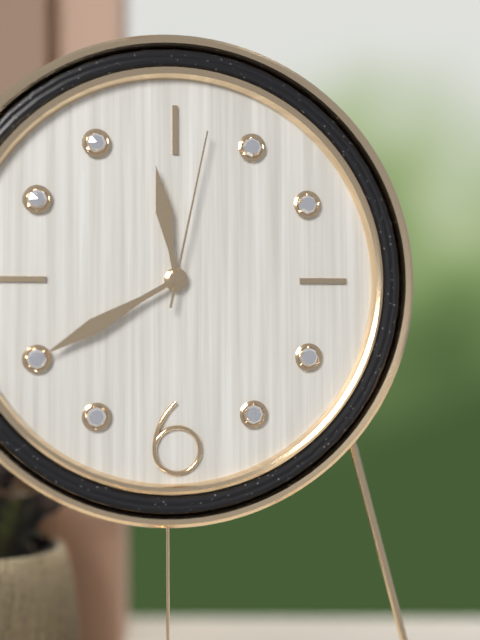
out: 11:40:02
